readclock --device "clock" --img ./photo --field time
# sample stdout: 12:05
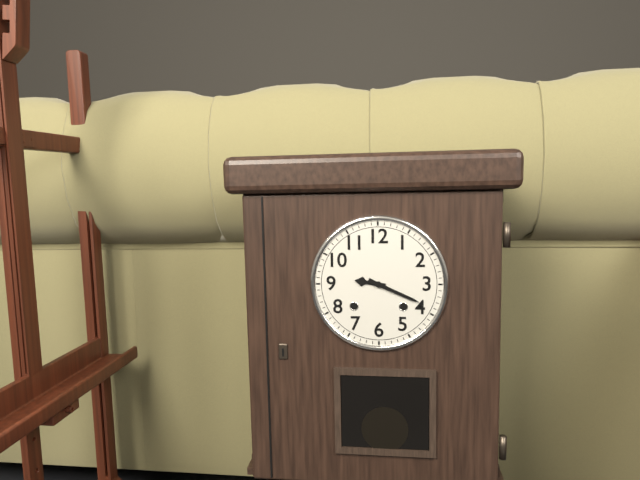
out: 9:19
